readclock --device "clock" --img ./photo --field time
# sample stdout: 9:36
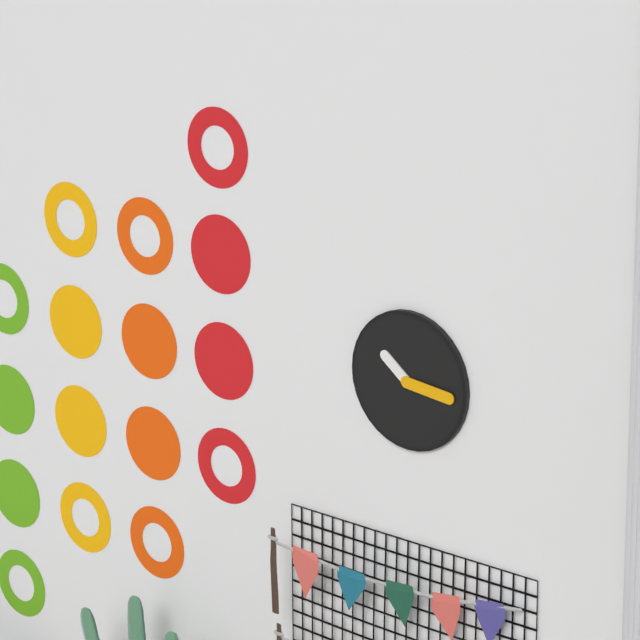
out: 10:16
